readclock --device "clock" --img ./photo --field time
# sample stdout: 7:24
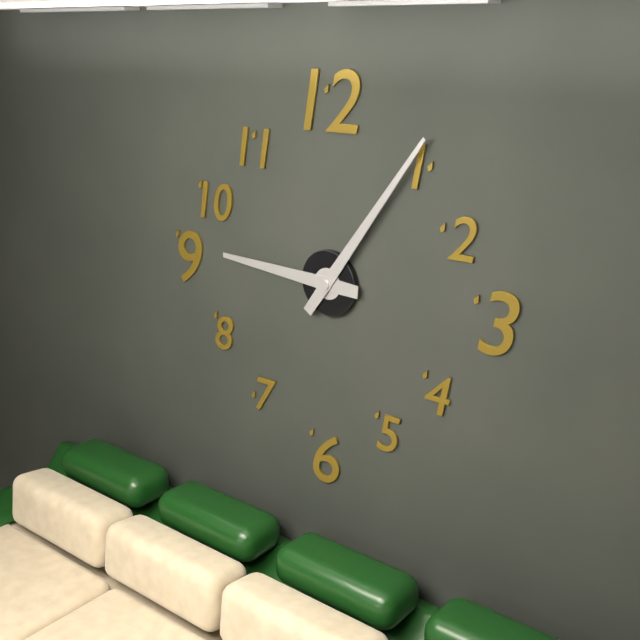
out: 9:06
